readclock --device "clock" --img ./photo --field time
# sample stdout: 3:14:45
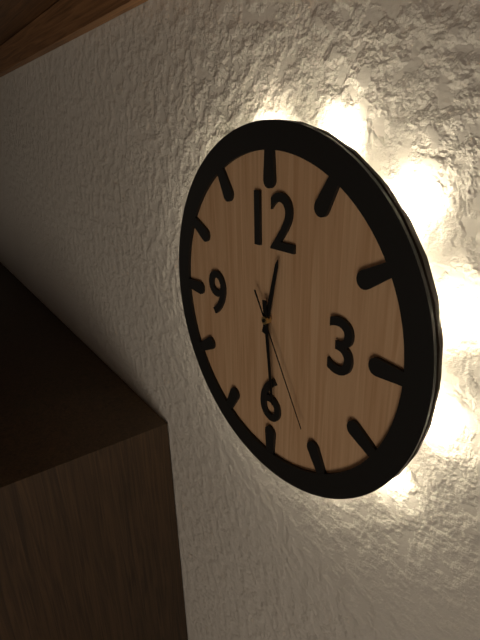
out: 12:29:25
